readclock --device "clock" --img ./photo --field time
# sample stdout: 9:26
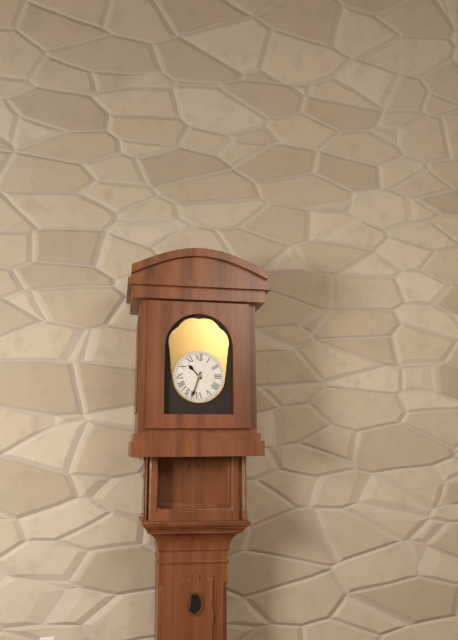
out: 10:33
